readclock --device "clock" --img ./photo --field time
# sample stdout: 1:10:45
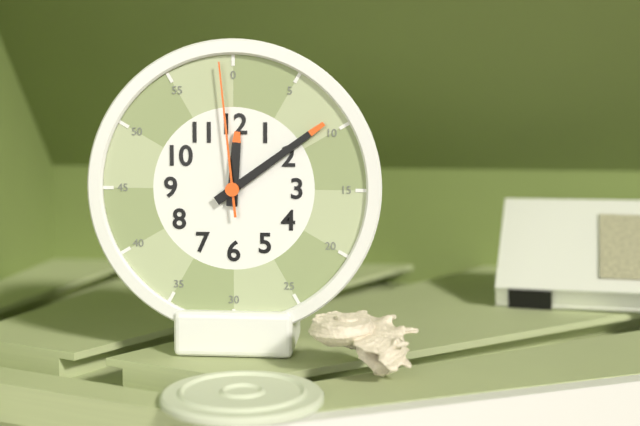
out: 12:09:59
